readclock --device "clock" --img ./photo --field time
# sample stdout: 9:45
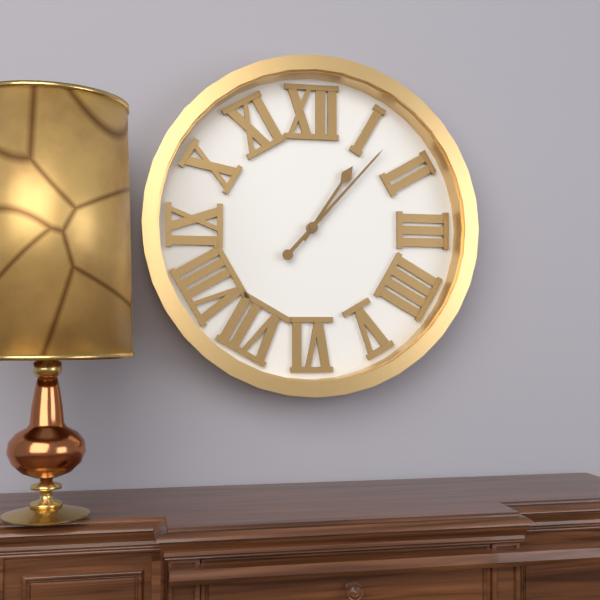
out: 1:07
